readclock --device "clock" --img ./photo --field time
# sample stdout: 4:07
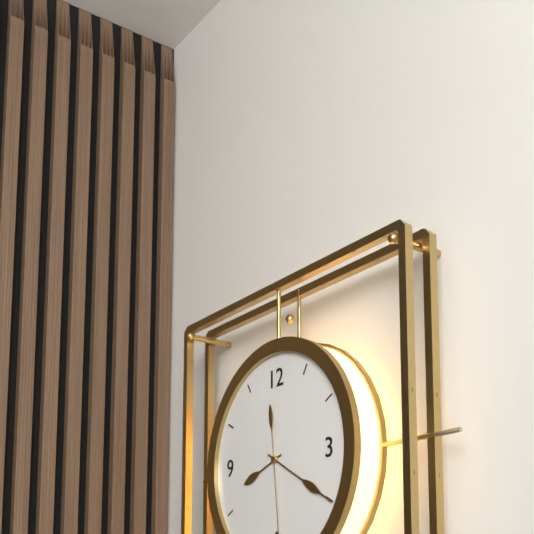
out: 8:20
